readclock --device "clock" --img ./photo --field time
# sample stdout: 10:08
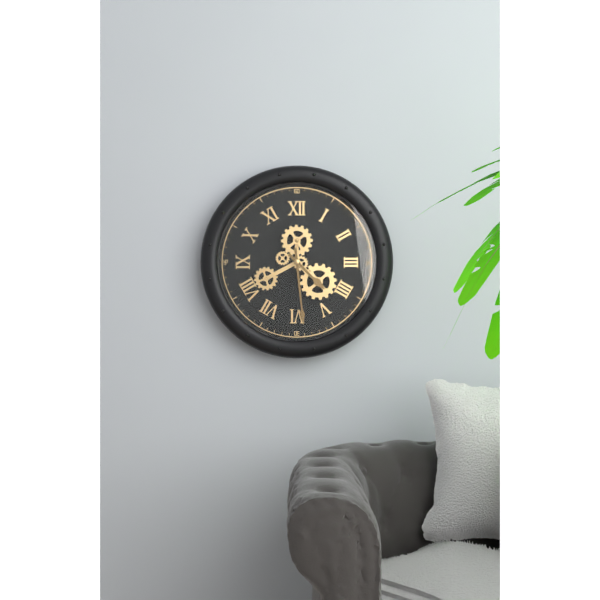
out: 4:29
